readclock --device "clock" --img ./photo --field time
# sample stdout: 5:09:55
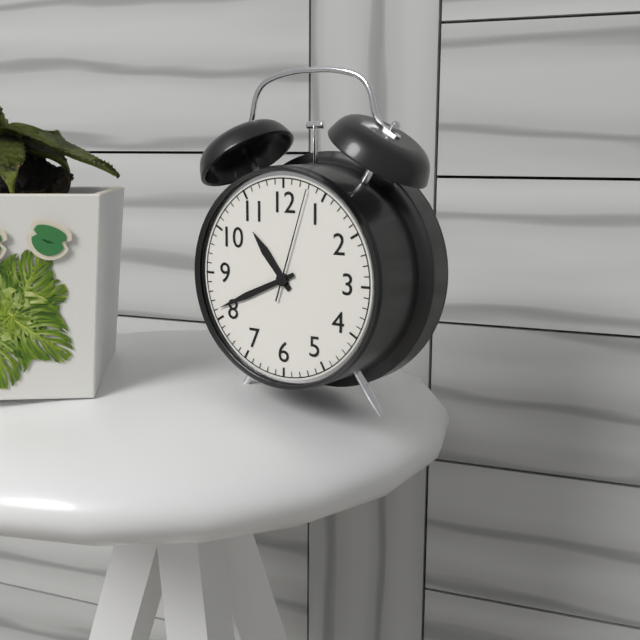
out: 10:41:03
